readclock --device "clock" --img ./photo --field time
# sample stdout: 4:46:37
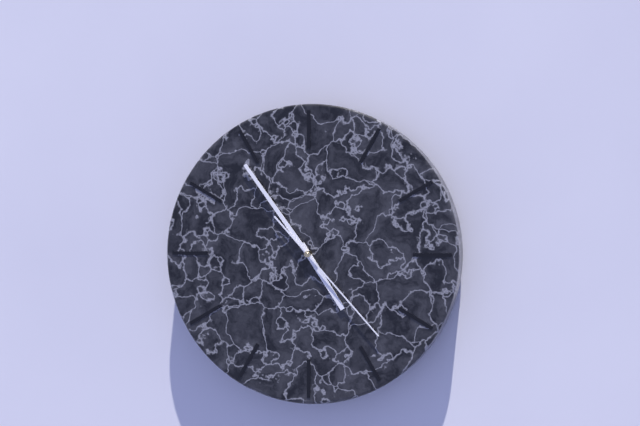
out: 4:54:23
